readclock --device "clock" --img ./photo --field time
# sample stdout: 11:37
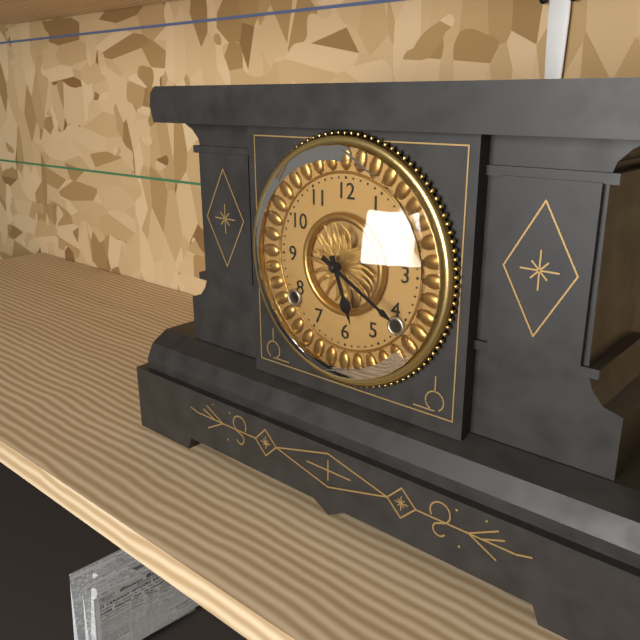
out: 5:20
